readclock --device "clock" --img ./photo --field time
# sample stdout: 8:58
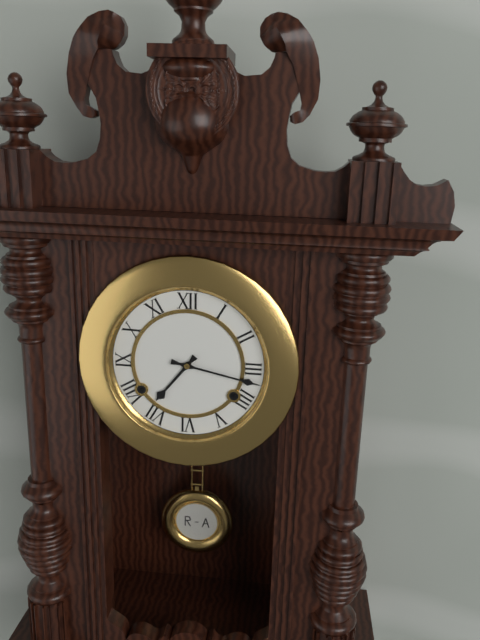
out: 7:17
